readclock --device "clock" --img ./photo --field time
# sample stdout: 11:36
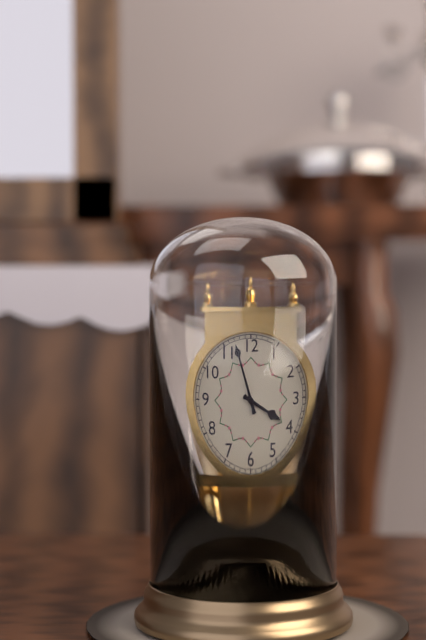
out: 3:57
